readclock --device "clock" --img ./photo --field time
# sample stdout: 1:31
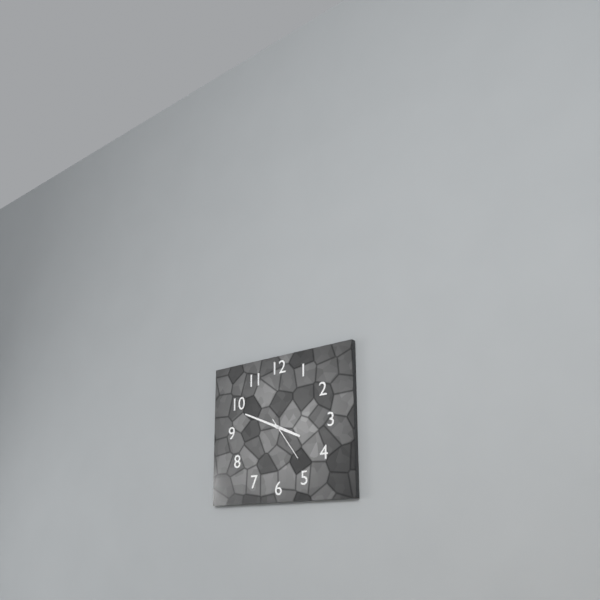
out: 3:49
